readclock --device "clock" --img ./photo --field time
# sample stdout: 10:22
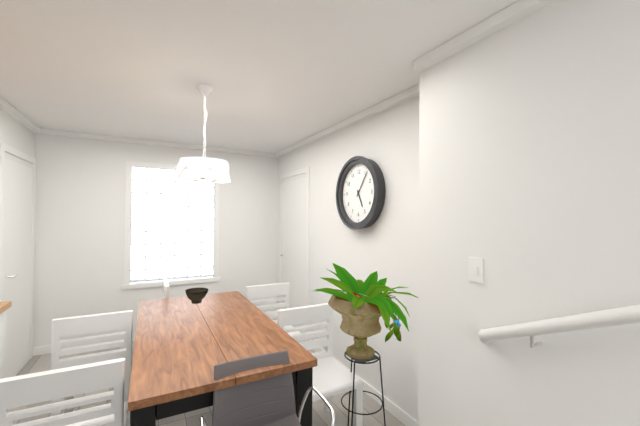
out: 5:06
